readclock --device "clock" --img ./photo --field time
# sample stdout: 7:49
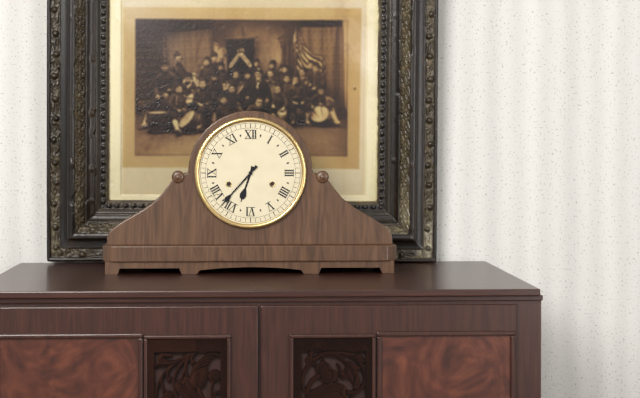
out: 6:37
